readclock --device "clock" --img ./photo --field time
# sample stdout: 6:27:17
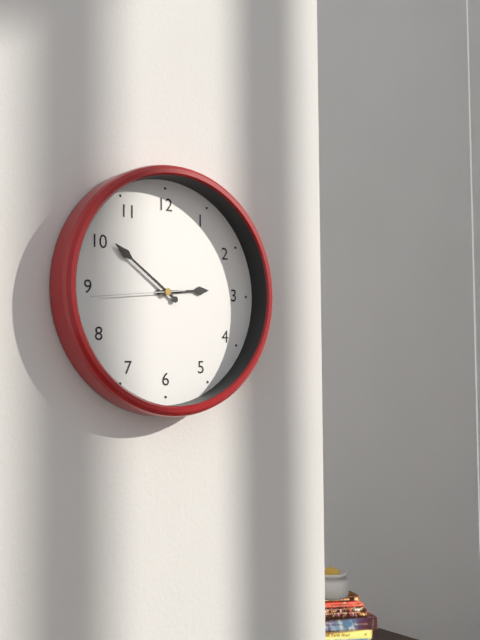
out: 2:51:44
